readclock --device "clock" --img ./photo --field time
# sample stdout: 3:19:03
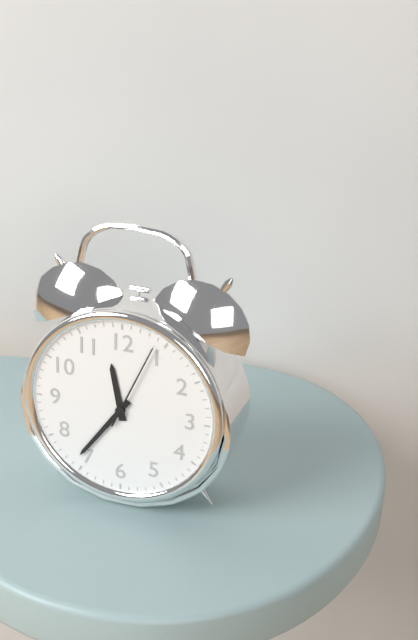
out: 11:36:04
